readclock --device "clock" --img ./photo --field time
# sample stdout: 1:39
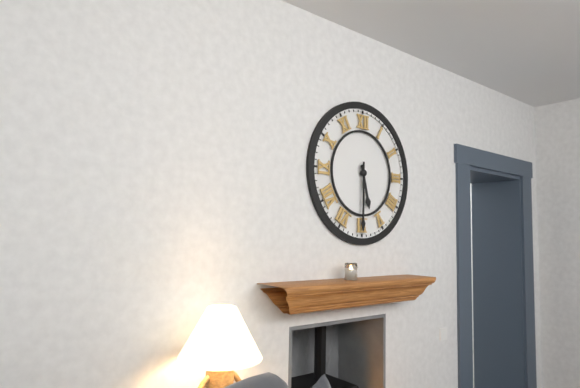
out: 5:30
